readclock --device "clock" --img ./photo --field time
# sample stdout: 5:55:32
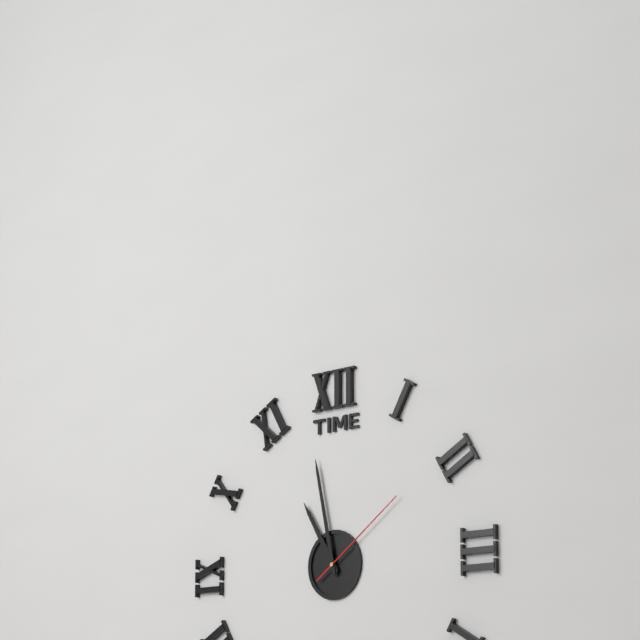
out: 10:58:09
